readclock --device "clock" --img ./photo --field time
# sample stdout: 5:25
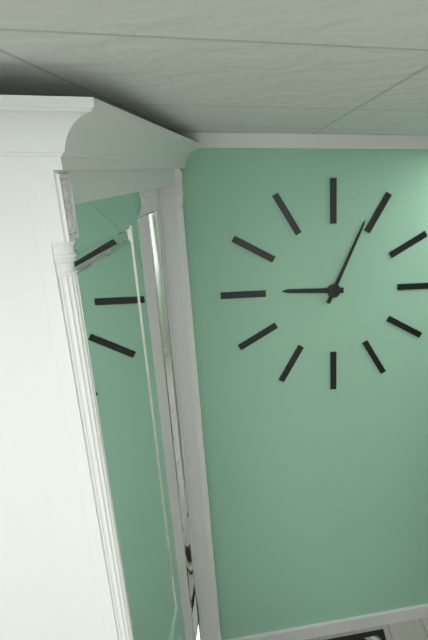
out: 9:04
